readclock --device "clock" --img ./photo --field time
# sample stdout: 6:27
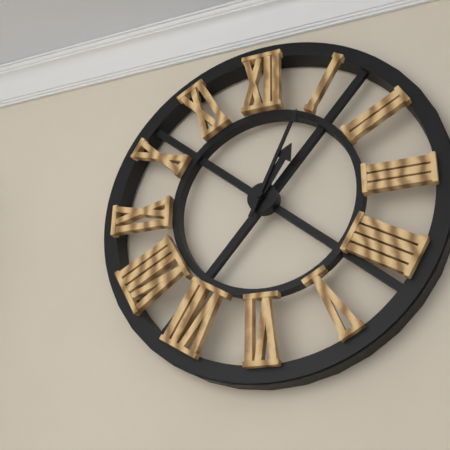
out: 1:04
